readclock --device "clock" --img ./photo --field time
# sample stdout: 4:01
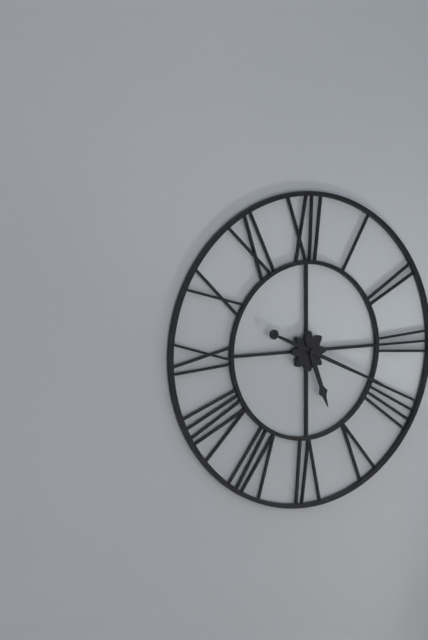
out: 5:19
